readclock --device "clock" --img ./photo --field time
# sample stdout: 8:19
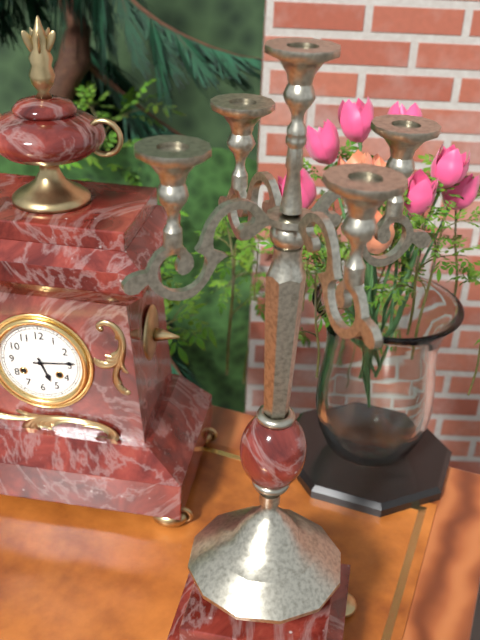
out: 5:14
